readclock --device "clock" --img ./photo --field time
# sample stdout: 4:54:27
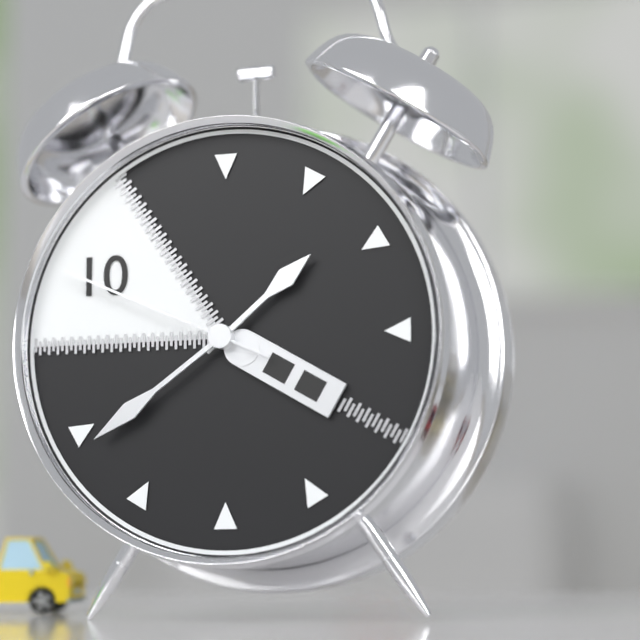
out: 1:39:49
